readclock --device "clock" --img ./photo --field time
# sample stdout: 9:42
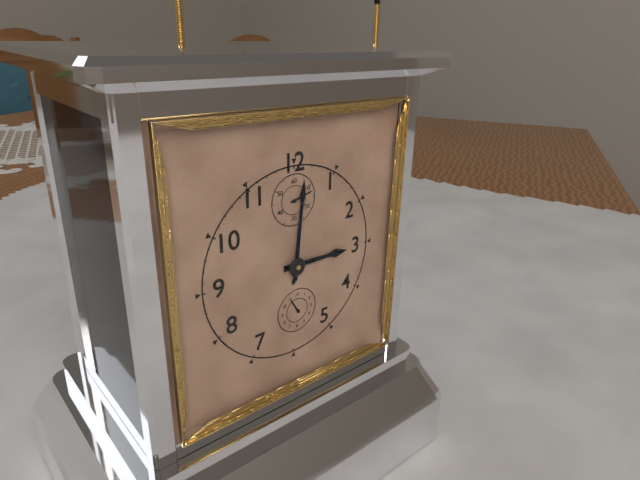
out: 3:01
